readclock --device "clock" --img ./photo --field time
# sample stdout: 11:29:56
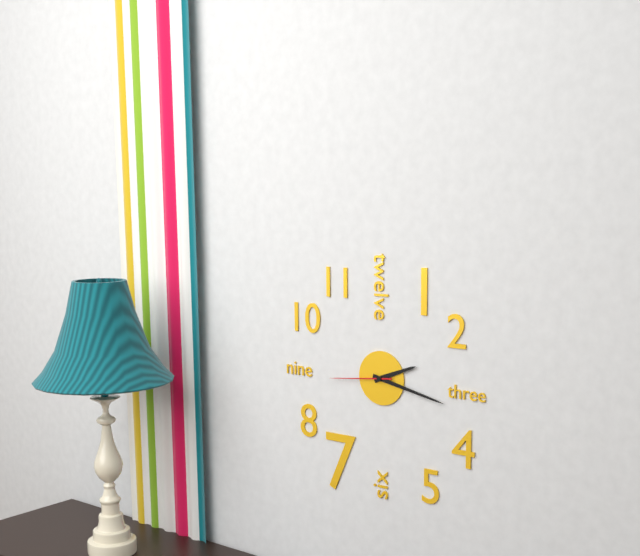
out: 2:17:44
